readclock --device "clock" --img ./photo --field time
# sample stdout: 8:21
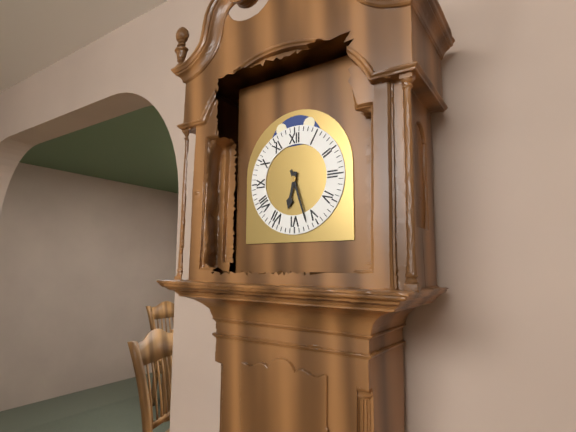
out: 6:27
